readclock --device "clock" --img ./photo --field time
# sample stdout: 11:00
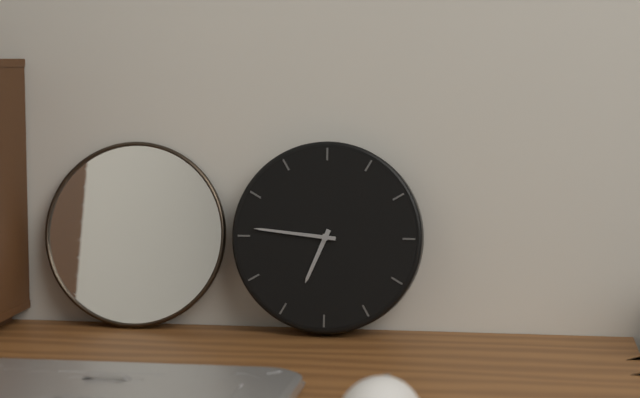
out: 6:46
